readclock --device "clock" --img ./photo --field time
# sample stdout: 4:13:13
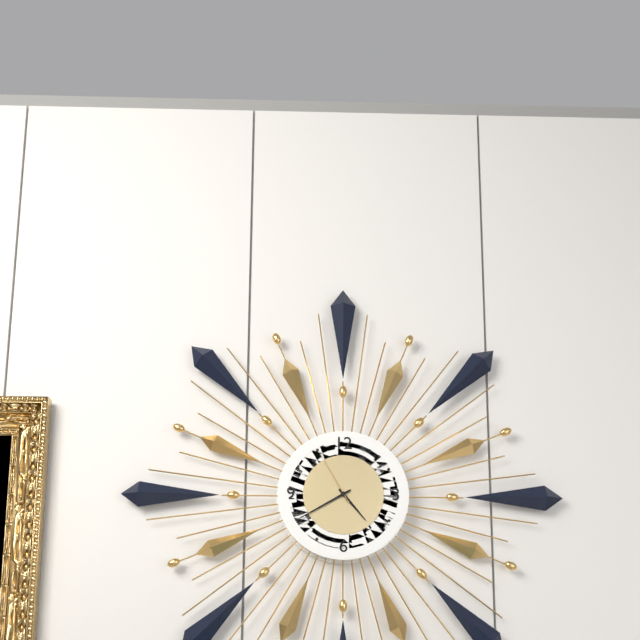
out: 4:40:55
